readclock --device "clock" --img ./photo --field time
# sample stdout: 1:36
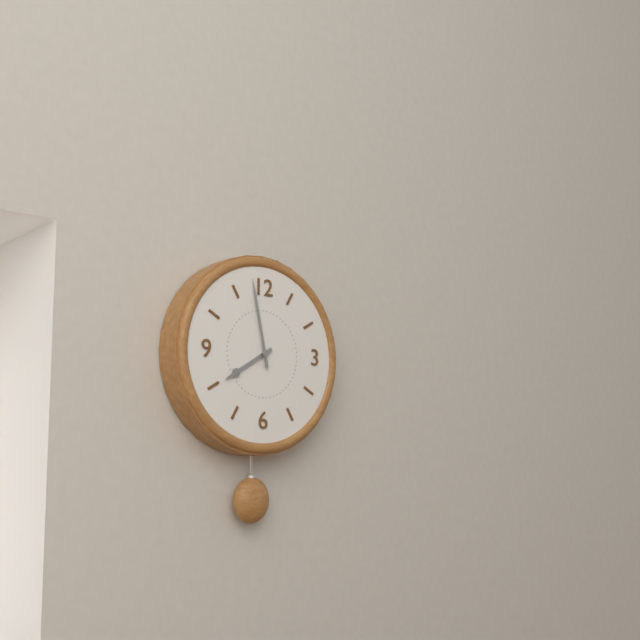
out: 7:58
